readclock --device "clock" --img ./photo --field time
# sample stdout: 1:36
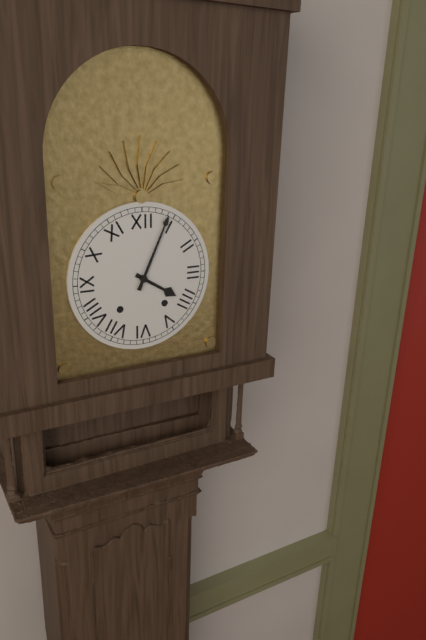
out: 4:04
